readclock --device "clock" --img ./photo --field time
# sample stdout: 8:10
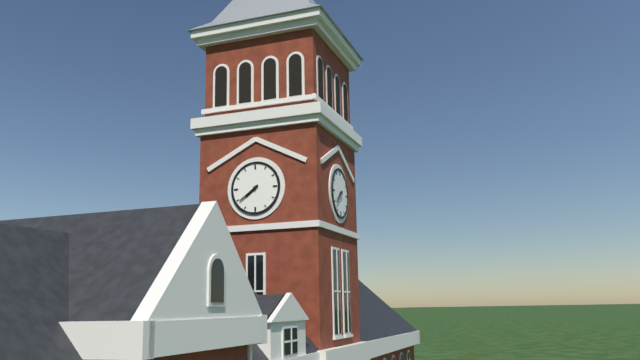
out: 7:39
